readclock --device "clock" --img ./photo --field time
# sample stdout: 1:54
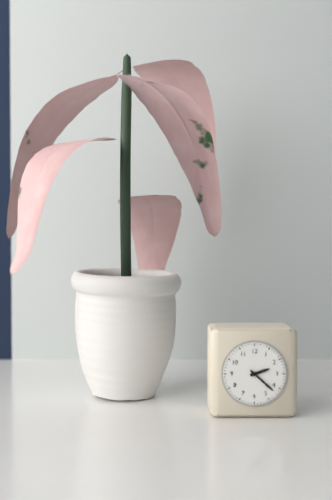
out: 2:22
